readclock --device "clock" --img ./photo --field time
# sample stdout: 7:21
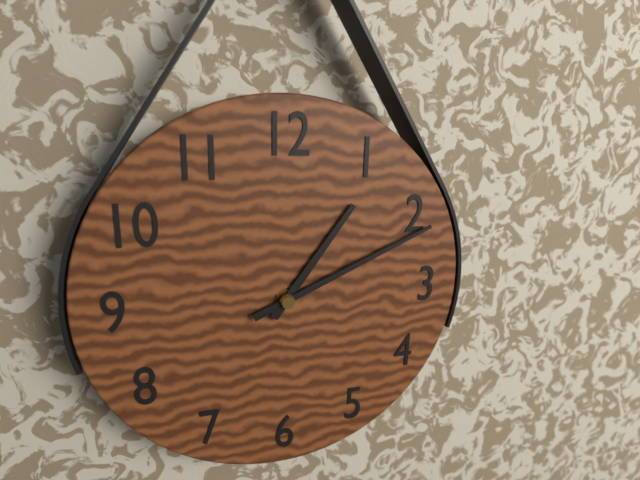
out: 1:11
